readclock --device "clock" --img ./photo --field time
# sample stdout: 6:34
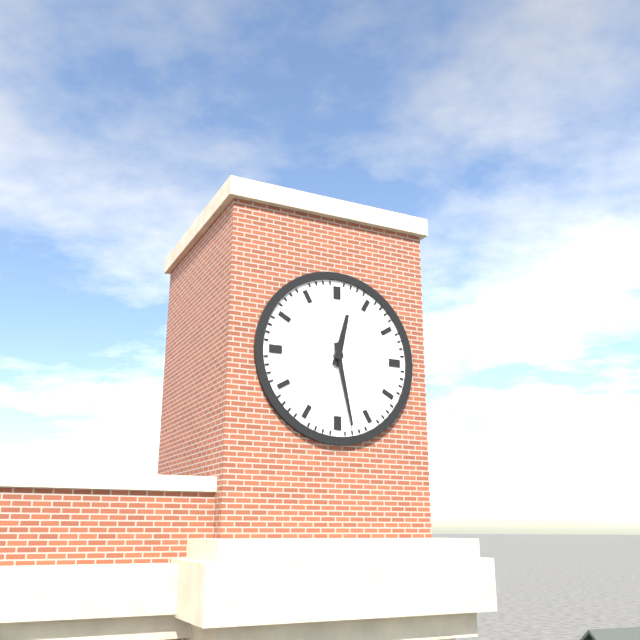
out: 12:28
